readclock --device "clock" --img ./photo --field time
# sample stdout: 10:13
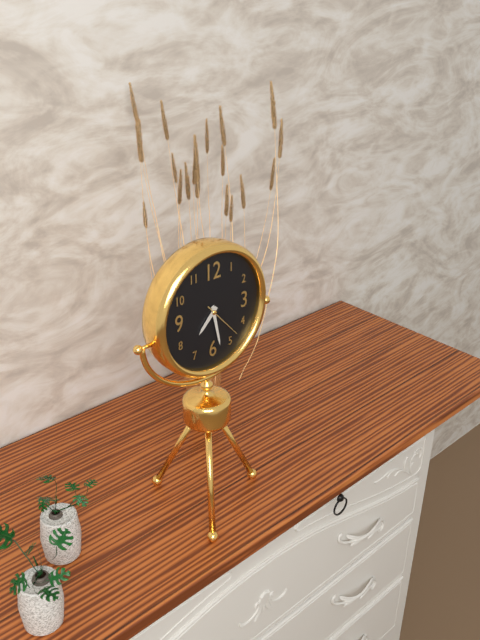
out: 7:28
